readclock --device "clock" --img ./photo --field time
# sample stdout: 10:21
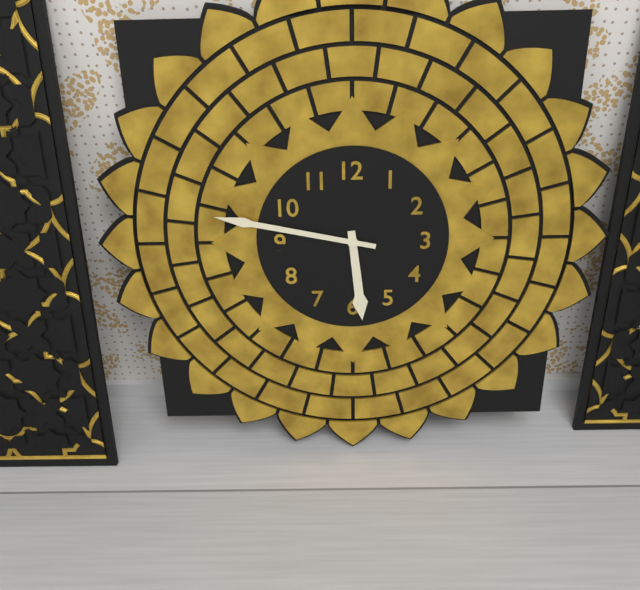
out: 5:47
